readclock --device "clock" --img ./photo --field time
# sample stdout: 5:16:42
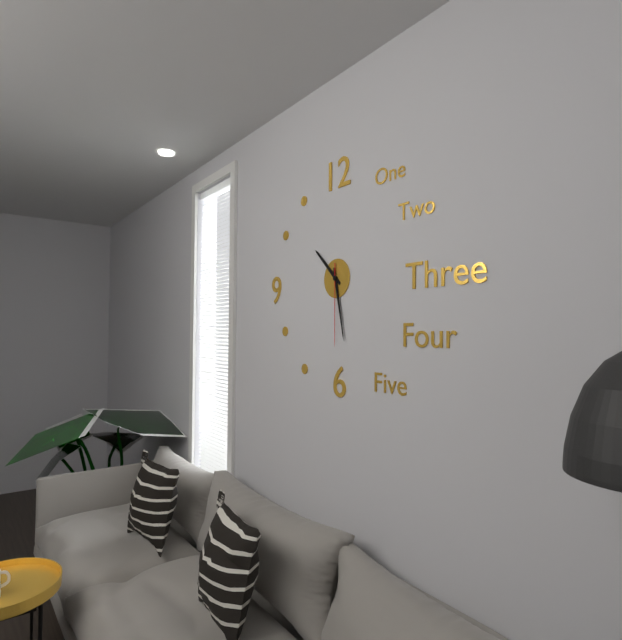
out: 10:28:30
